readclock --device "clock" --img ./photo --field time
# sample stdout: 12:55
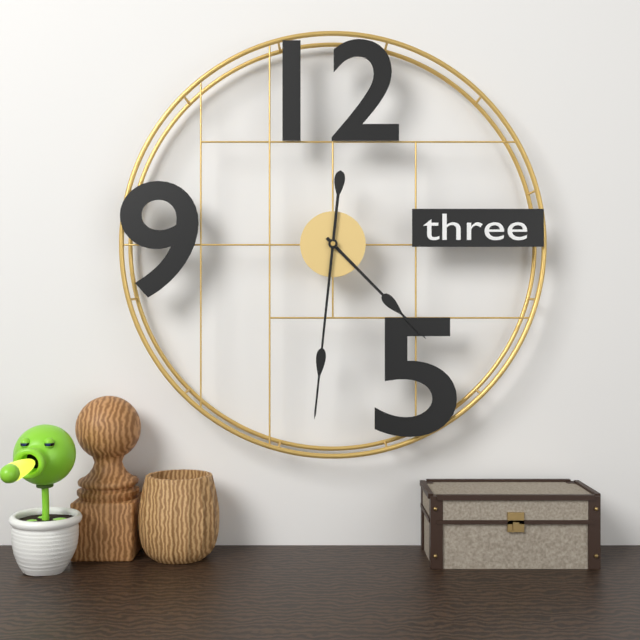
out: 4:31
